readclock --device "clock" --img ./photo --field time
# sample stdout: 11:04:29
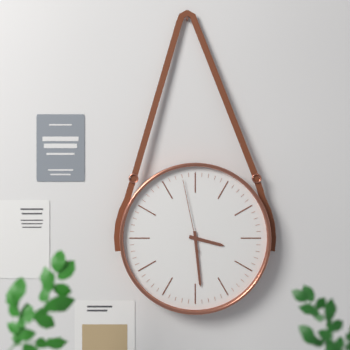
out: 3:29:58
